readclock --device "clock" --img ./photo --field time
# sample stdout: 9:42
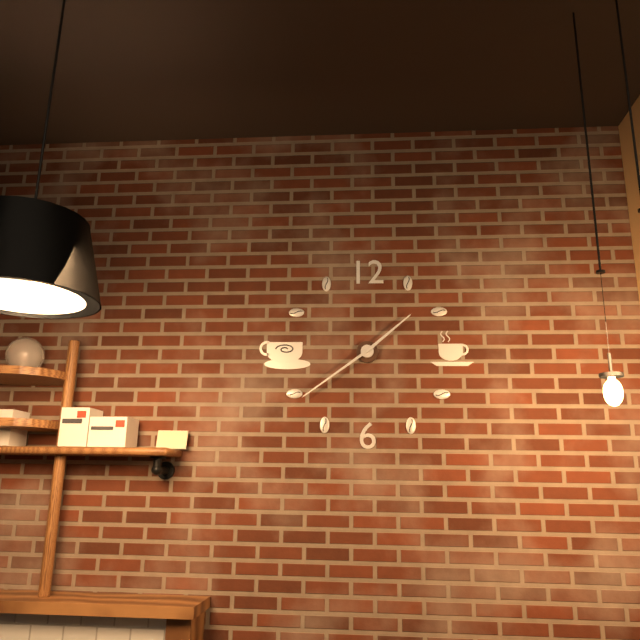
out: 1:39
